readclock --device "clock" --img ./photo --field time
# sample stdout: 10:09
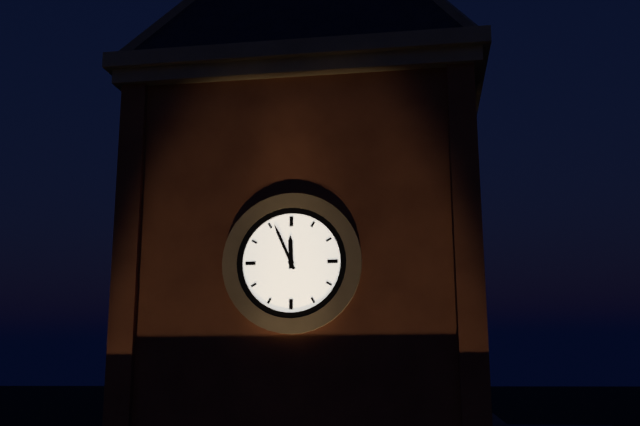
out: 11:56
